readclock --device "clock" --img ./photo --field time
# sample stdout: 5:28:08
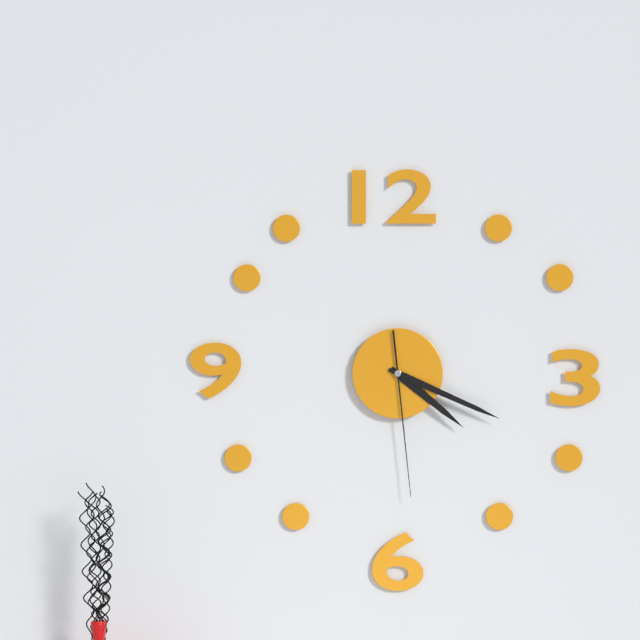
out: 4:19:29
